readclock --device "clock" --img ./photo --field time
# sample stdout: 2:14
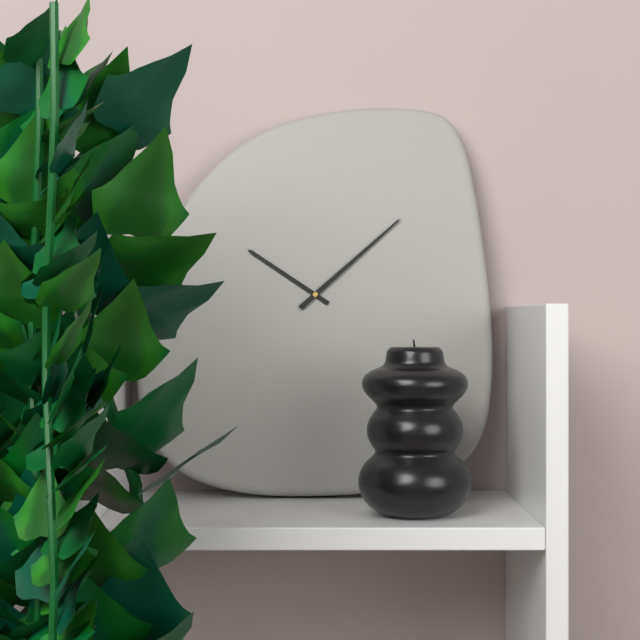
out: 10:08
